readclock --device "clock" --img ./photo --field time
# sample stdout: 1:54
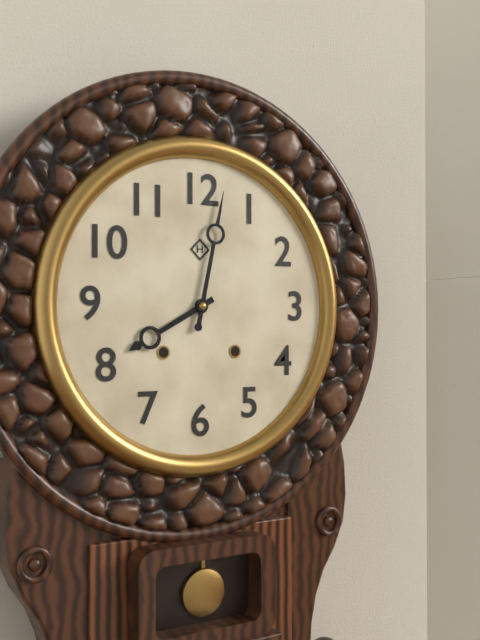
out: 8:02
